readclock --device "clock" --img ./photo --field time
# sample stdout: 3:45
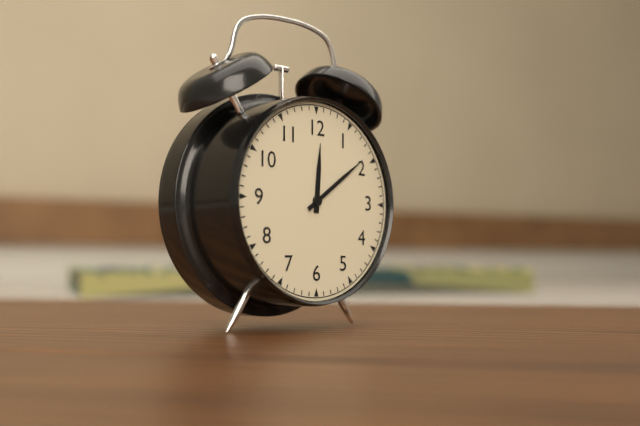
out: 12:09
